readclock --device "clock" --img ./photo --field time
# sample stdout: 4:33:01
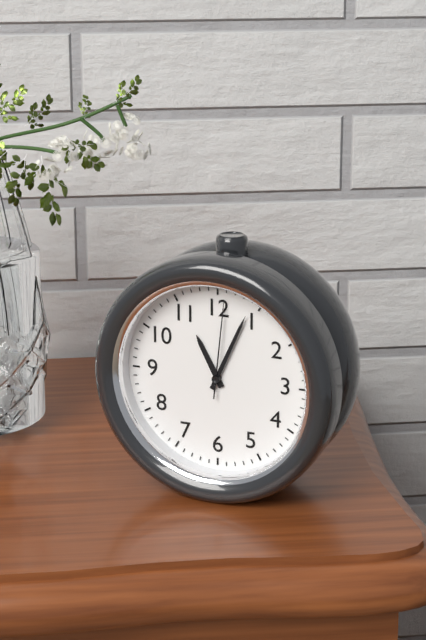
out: 11:04:01
